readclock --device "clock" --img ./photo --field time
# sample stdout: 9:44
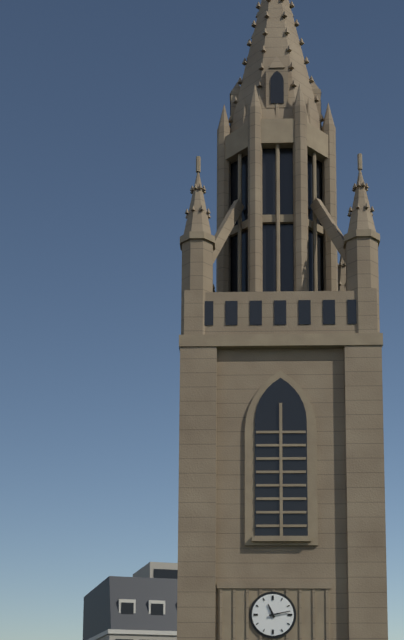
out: 11:13
